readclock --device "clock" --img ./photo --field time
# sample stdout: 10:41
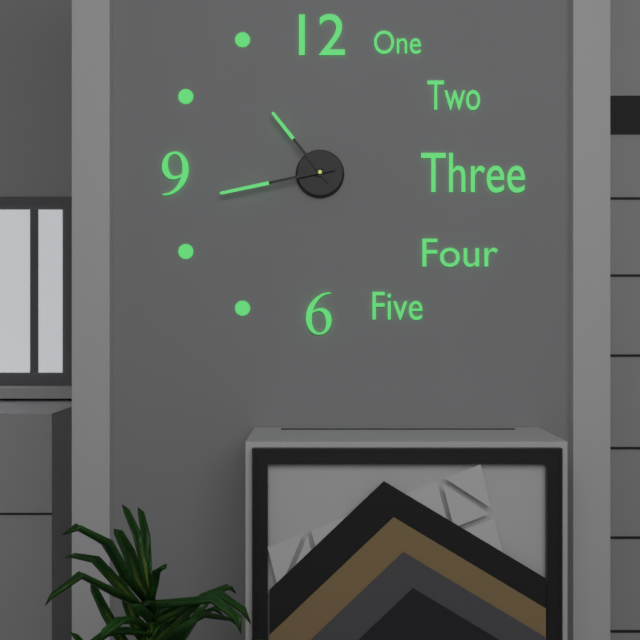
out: 10:43
